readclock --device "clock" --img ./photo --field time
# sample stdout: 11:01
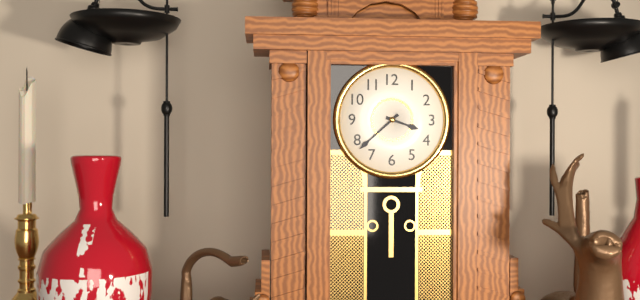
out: 3:38
